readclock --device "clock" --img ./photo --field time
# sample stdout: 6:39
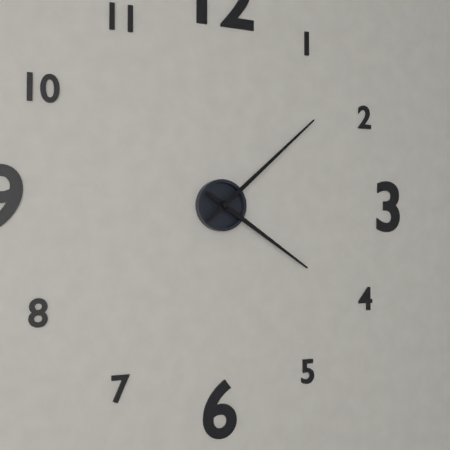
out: 4:08
